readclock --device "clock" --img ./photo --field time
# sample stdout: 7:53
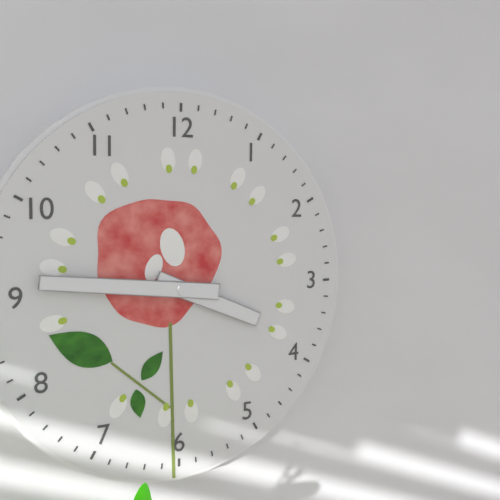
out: 3:46
